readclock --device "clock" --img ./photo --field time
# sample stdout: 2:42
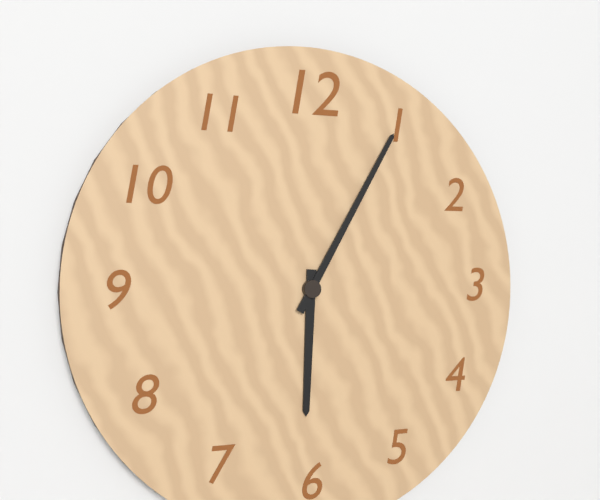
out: 6:05
